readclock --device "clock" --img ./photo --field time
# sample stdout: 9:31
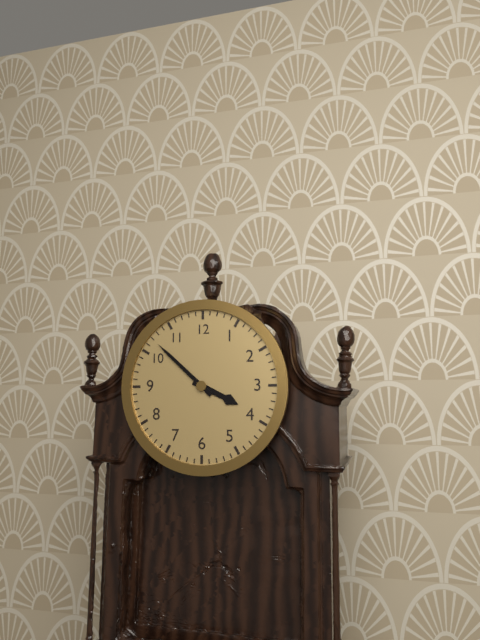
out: 3:52
